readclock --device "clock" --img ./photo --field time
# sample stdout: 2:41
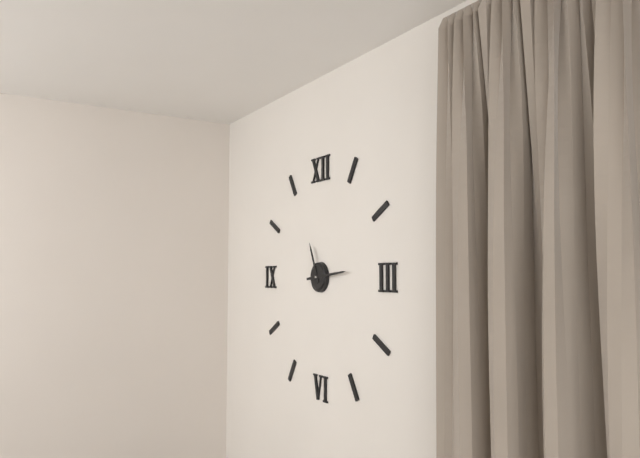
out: 11:14
